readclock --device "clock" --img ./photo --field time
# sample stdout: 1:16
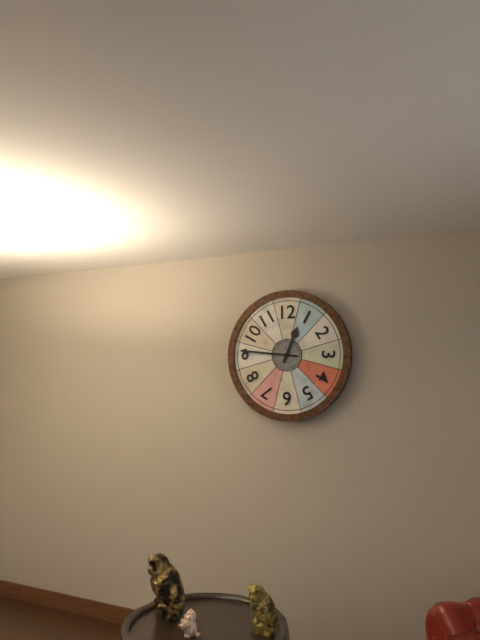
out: 12:46
